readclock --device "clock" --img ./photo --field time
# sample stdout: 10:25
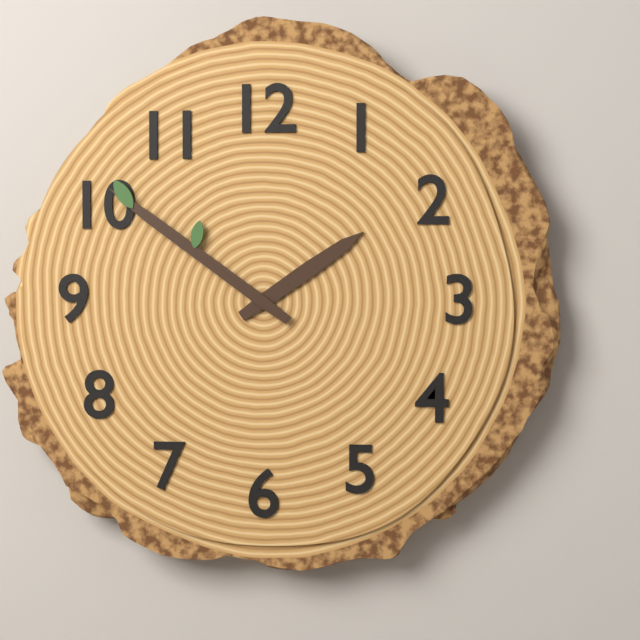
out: 1:51
